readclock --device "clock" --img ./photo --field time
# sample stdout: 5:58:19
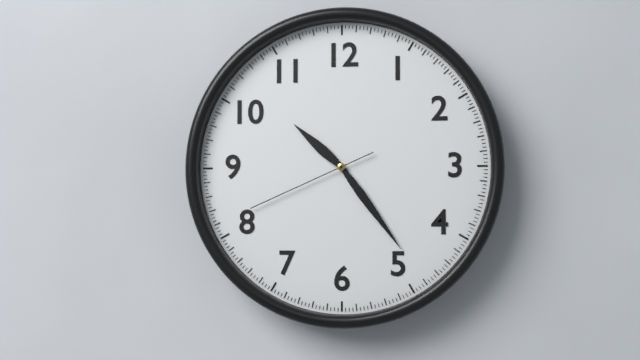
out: 10:24:41
